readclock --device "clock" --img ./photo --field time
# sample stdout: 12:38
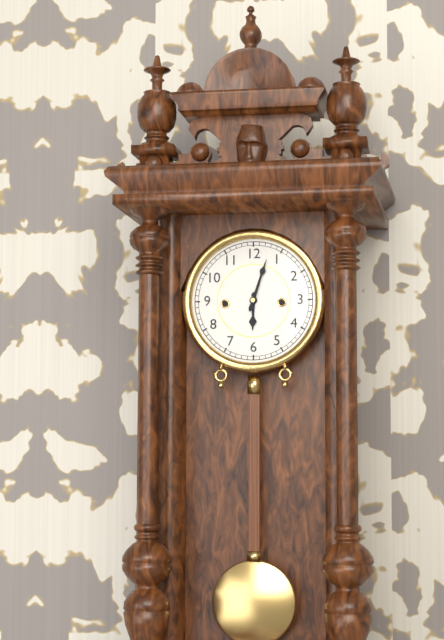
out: 6:03
